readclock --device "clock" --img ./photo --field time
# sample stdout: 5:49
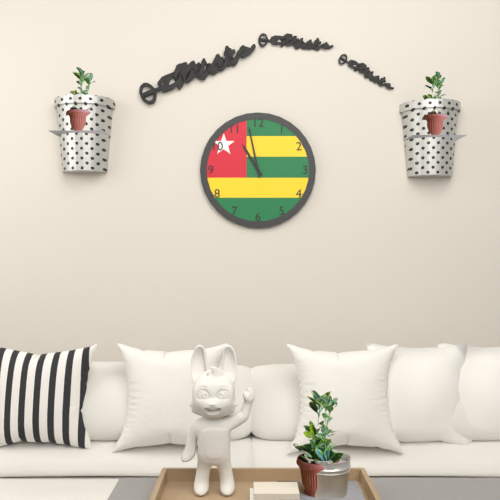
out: 10:58
